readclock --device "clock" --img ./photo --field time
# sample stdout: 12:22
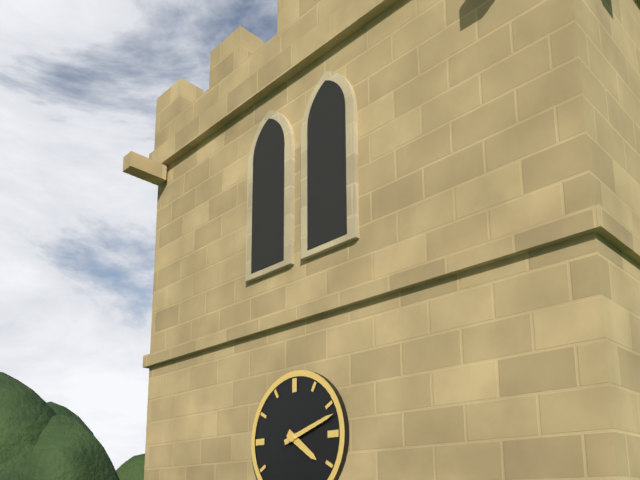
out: 4:12
